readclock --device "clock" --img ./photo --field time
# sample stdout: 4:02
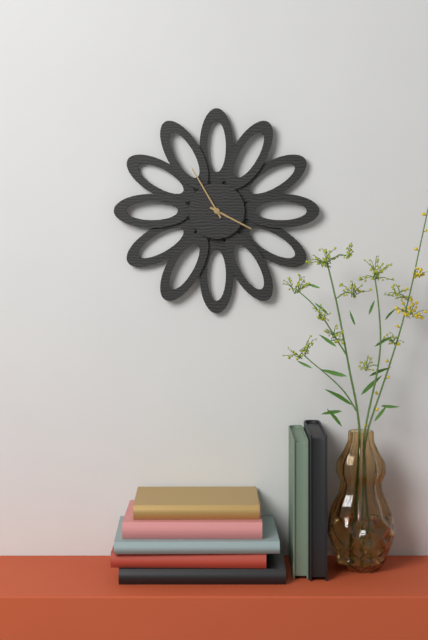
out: 3:55
